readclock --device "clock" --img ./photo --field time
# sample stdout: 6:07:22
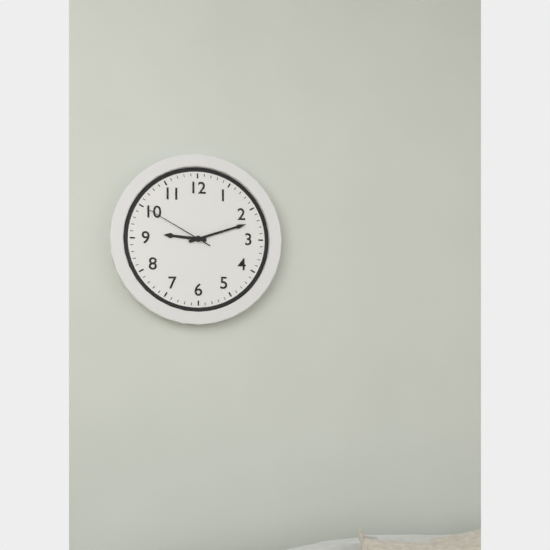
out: 9:12:50
